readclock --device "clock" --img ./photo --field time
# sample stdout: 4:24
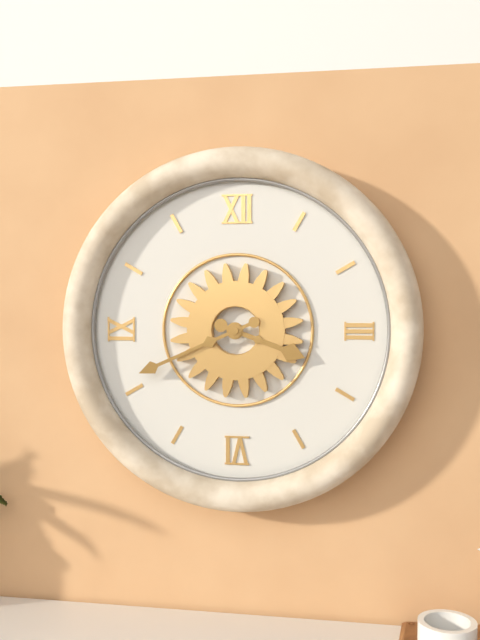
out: 3:41
